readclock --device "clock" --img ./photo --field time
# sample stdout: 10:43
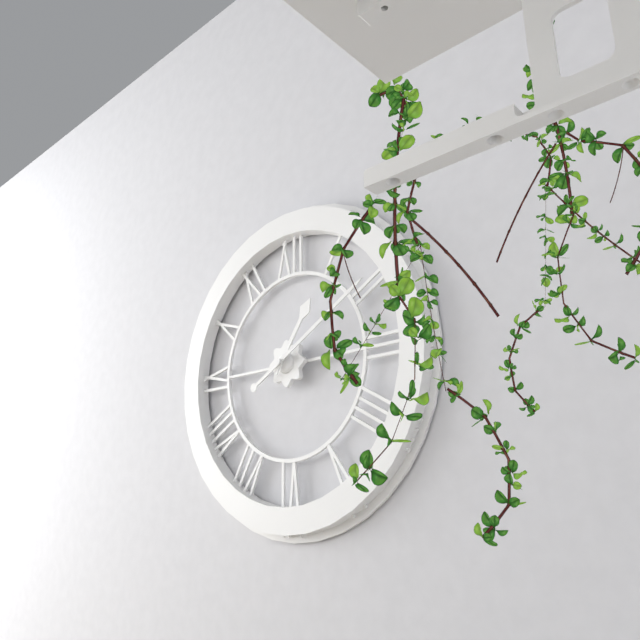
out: 1:10
